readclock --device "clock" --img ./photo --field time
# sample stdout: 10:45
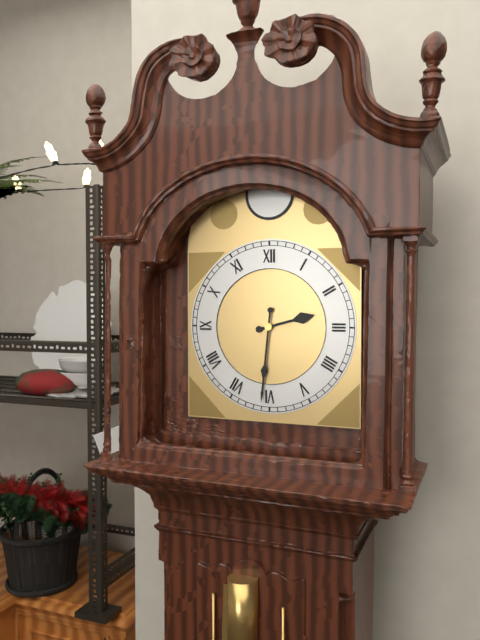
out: 2:31
